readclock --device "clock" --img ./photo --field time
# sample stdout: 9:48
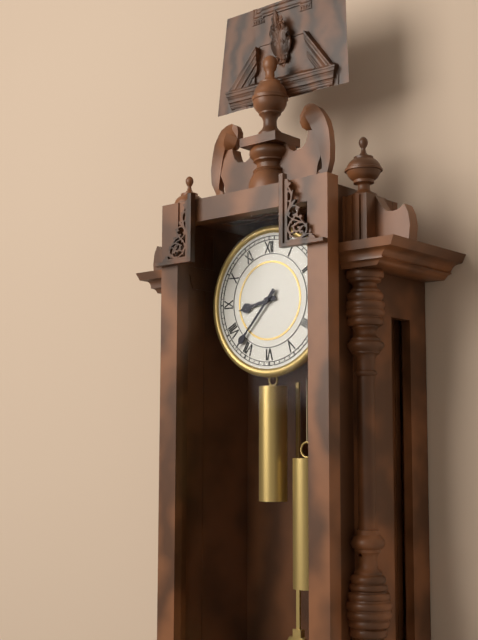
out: 8:37
